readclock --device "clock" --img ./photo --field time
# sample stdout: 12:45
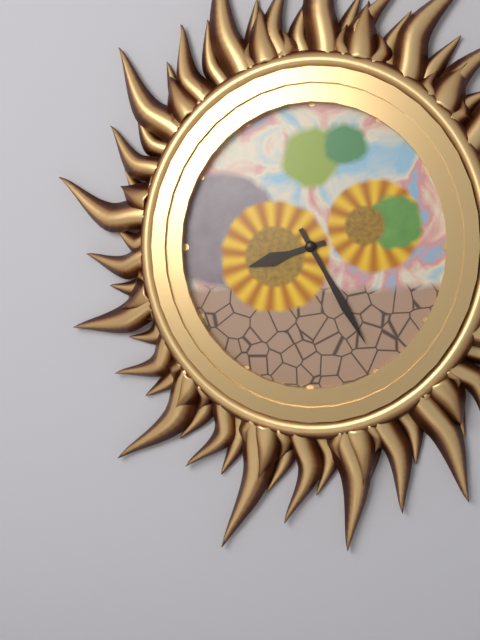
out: 8:25
